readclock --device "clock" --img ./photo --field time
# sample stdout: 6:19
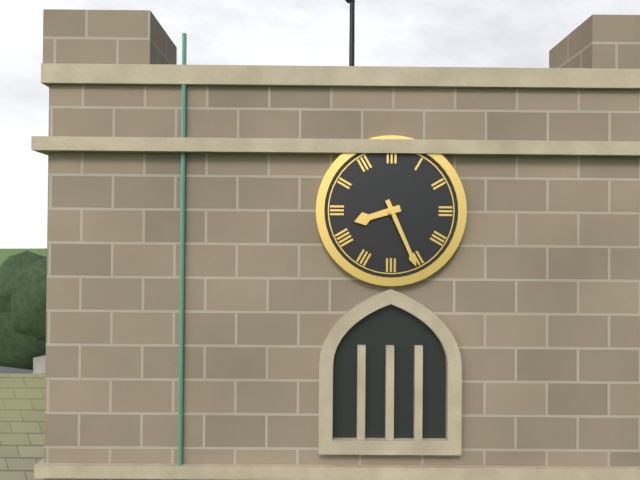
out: 8:26
